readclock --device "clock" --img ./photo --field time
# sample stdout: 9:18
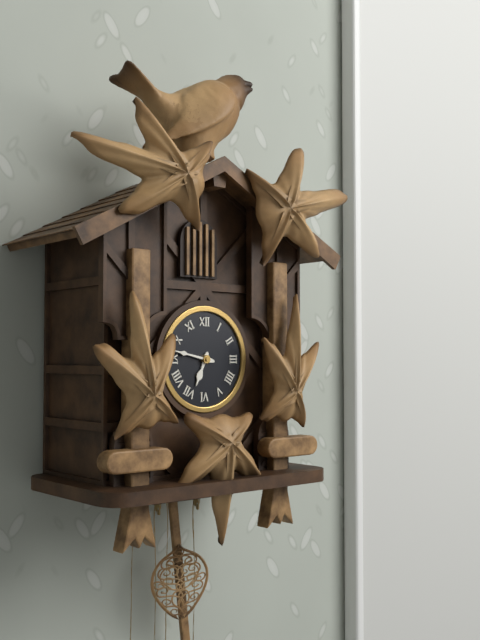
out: 6:47
